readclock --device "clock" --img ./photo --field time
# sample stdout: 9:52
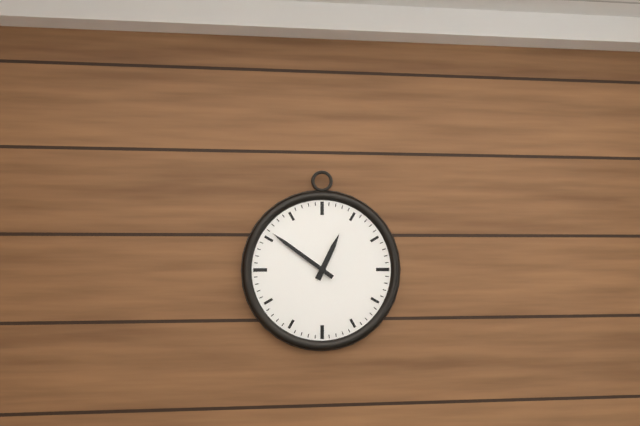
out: 12:51
